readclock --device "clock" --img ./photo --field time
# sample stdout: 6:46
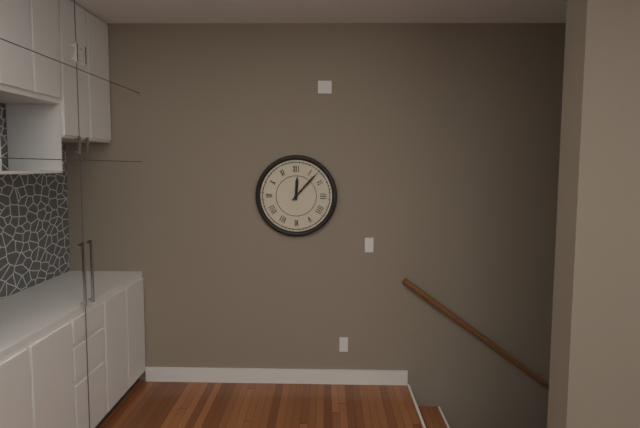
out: 12:07
